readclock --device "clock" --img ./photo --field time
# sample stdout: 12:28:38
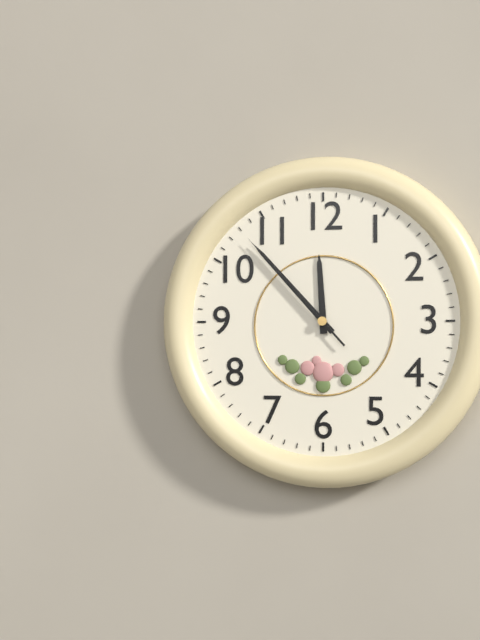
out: 11:53:53
